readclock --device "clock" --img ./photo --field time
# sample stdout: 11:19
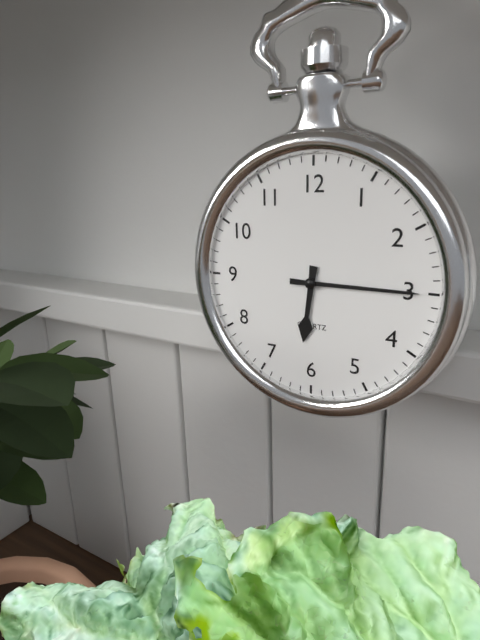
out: 6:15
